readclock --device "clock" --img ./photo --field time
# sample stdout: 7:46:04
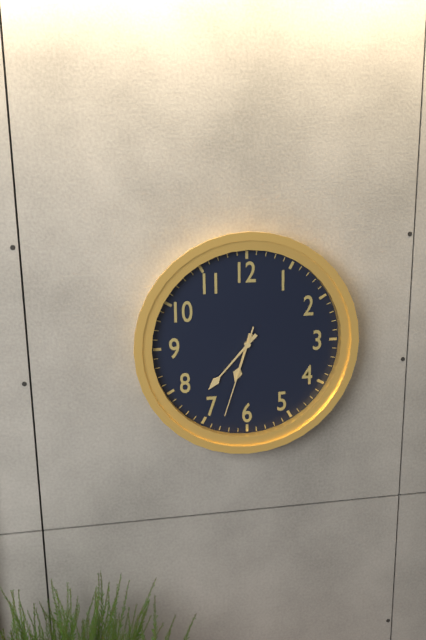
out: 6:37:33
